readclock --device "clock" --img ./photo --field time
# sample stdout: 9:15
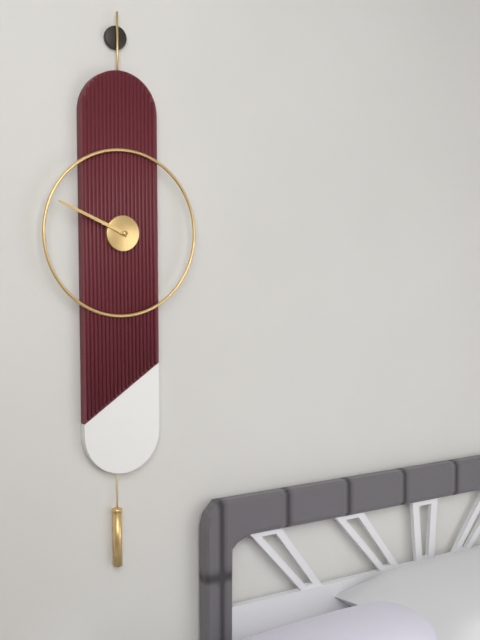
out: 9:49
